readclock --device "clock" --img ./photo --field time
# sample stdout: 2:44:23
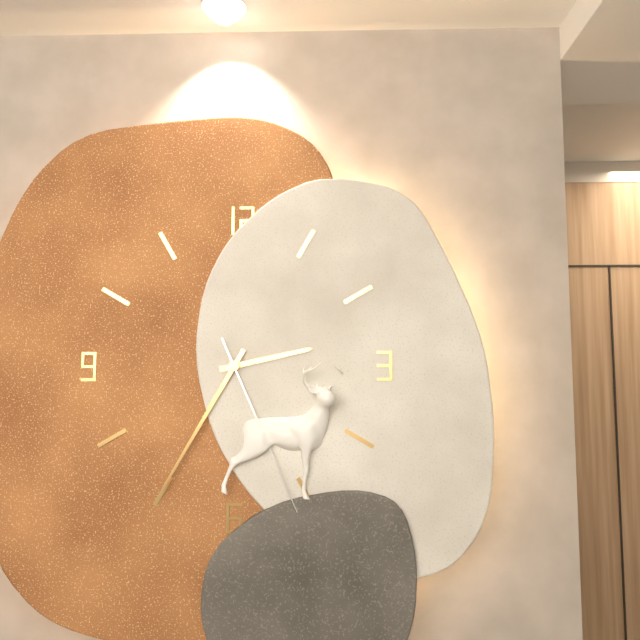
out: 2:35:26
